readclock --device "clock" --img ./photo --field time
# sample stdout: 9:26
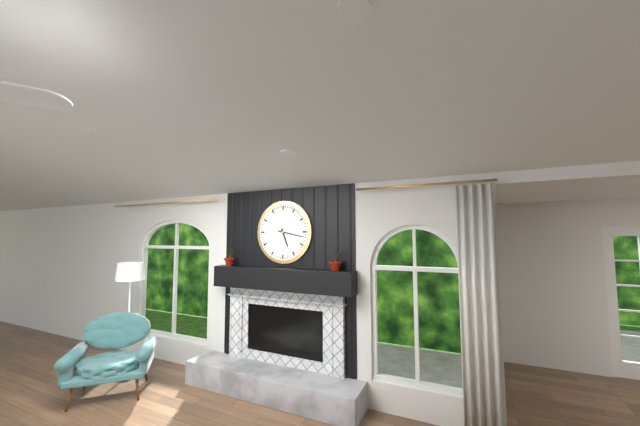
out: 5:17
